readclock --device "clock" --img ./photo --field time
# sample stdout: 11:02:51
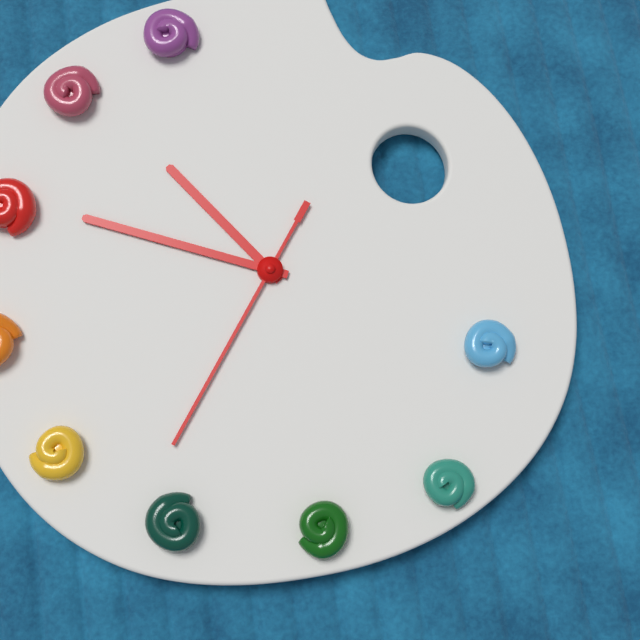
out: 10:49:36
